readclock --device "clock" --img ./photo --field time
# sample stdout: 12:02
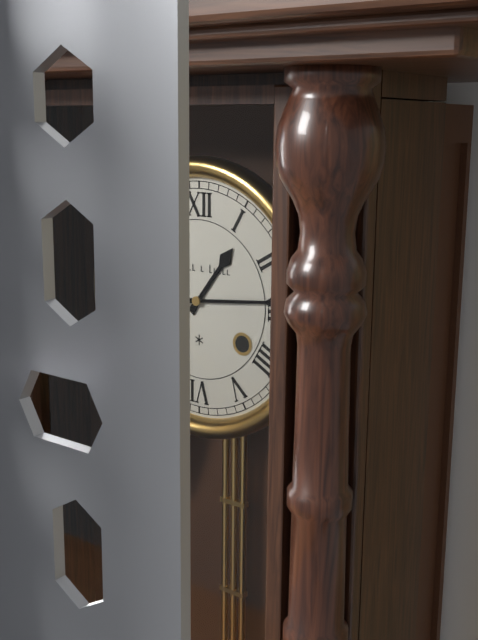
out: 1:14
